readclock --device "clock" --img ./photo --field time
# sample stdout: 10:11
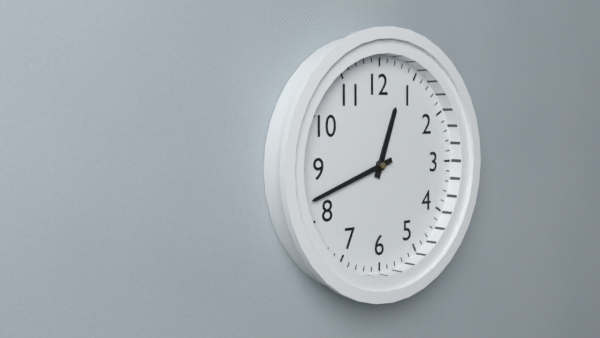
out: 12:42
